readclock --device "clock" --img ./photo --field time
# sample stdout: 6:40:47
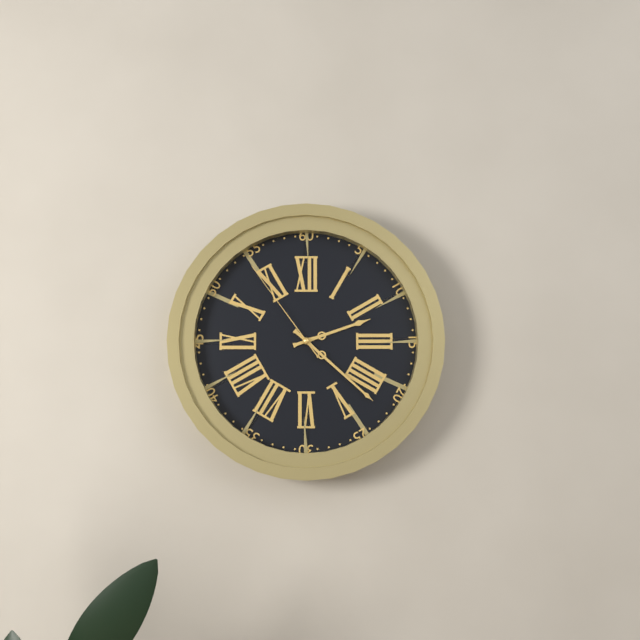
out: 2:22:54
